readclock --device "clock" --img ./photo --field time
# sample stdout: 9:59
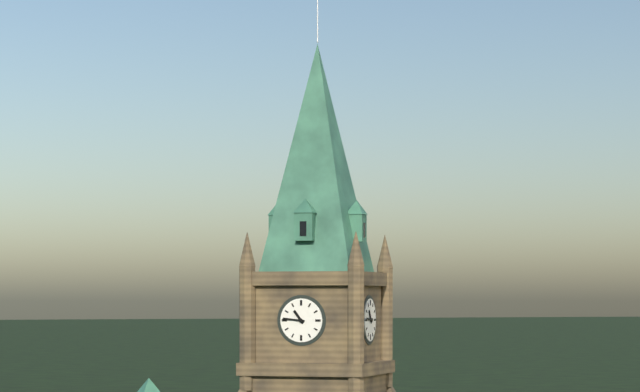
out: 10:46
